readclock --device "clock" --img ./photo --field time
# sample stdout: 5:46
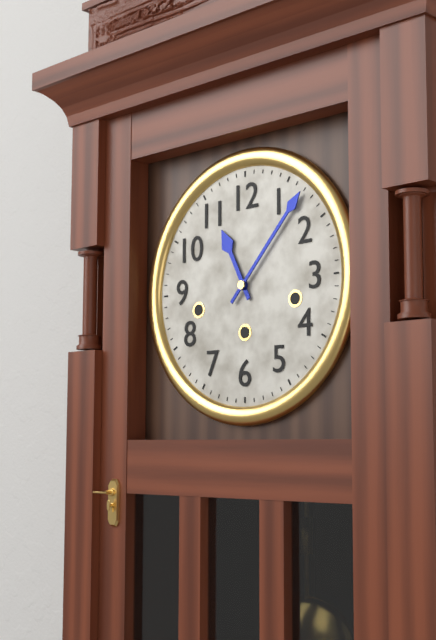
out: 11:07
